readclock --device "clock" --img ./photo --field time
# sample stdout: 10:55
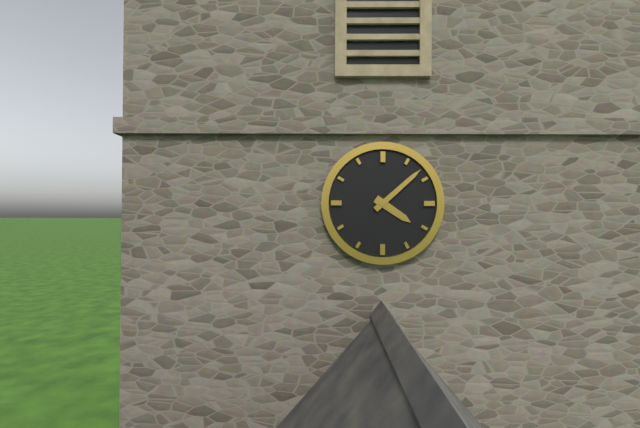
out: 4:08
